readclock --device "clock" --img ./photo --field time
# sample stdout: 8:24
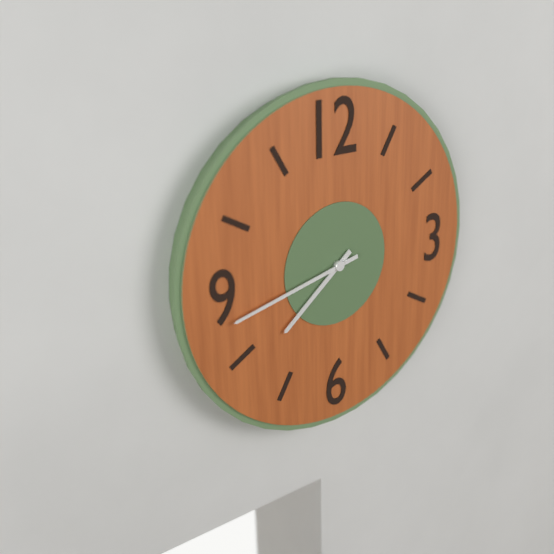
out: 7:43
